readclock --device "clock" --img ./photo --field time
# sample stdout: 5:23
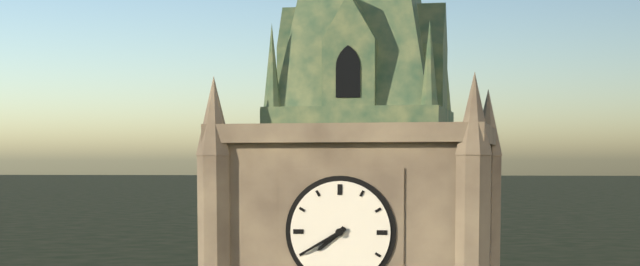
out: 7:40
